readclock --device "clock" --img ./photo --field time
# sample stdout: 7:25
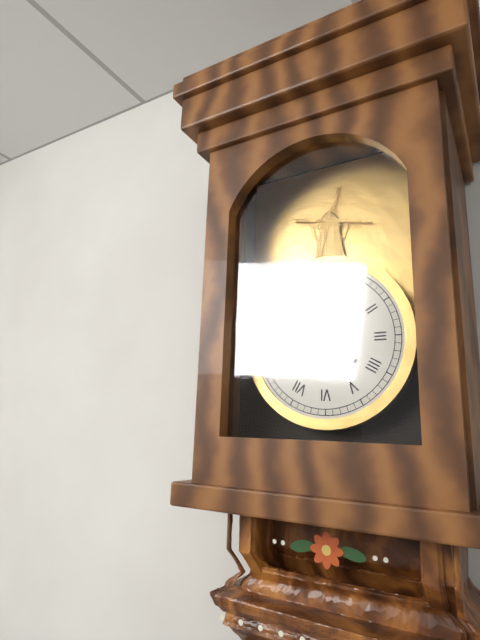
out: 11:55
